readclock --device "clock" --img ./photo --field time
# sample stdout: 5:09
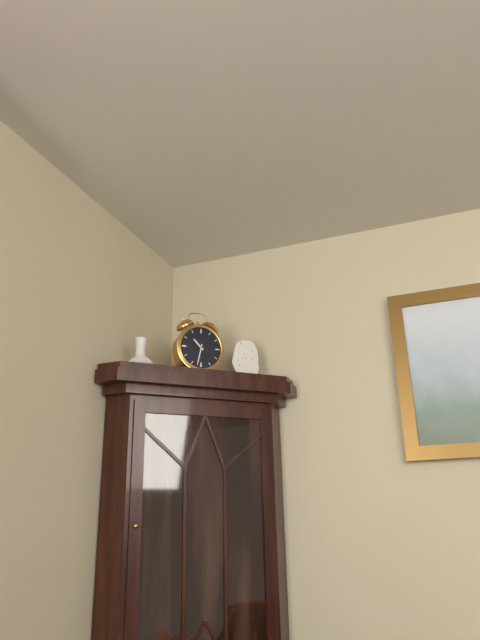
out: 10:32
